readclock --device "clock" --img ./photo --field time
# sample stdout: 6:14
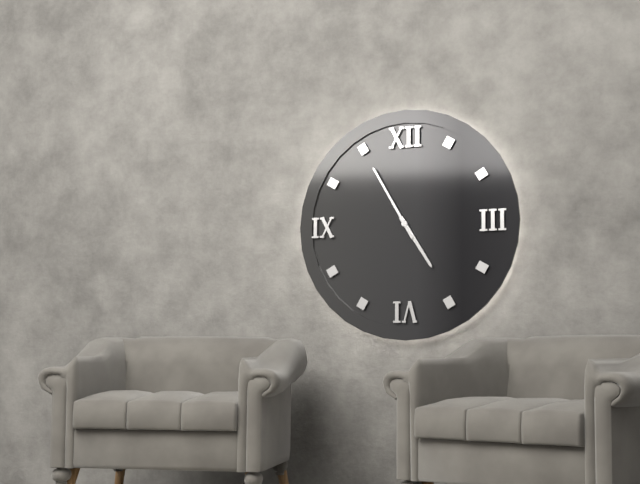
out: 4:55
